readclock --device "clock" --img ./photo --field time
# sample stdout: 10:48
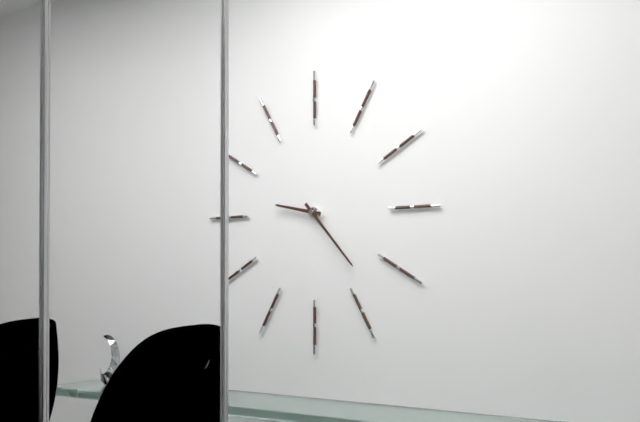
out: 9:23
